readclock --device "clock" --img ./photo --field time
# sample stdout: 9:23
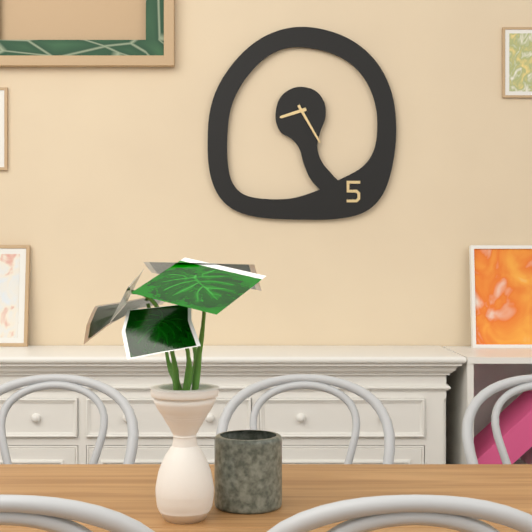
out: 8:25
